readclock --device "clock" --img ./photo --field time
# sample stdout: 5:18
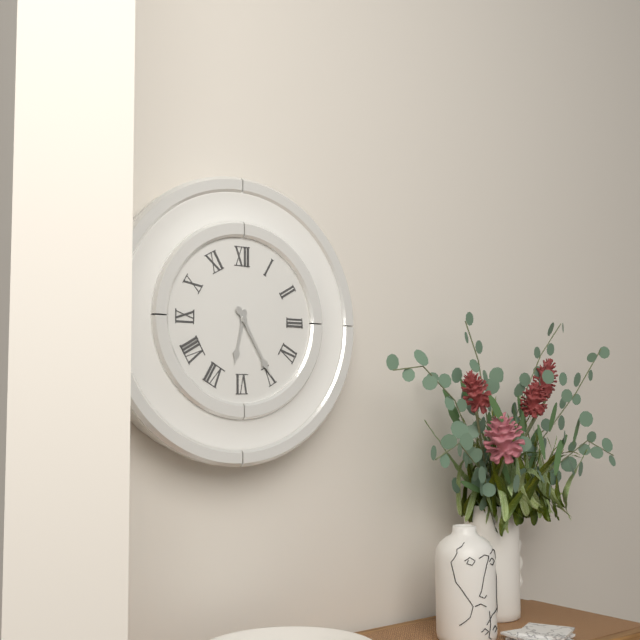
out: 6:25
